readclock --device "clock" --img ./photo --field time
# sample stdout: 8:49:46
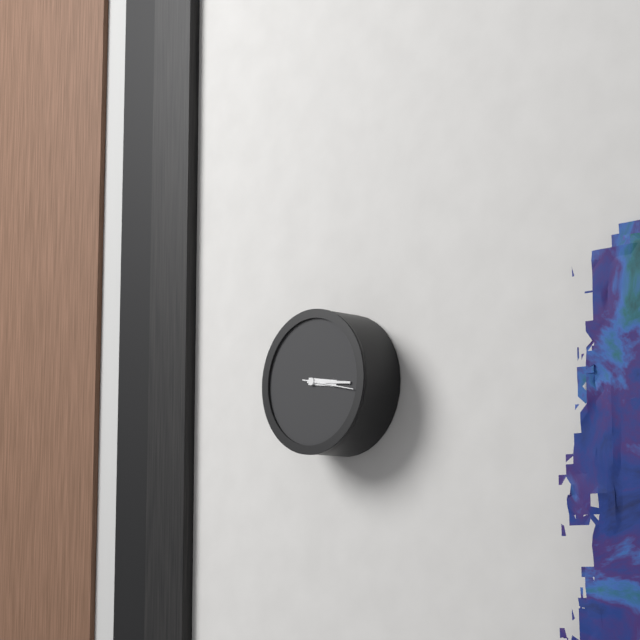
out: 3:16:17
